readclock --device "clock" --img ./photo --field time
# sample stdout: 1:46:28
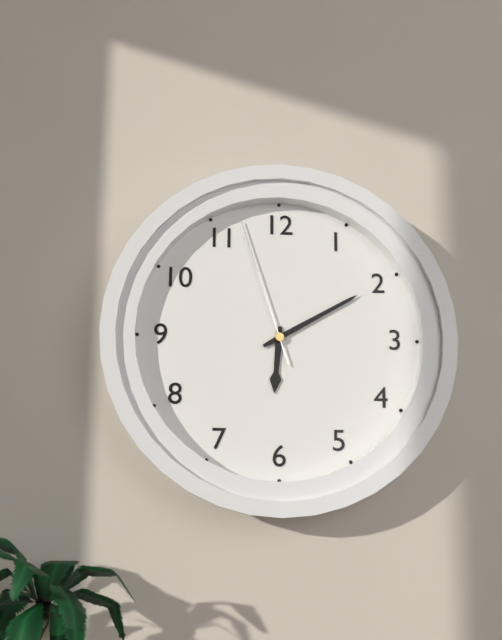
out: 6:10:57
